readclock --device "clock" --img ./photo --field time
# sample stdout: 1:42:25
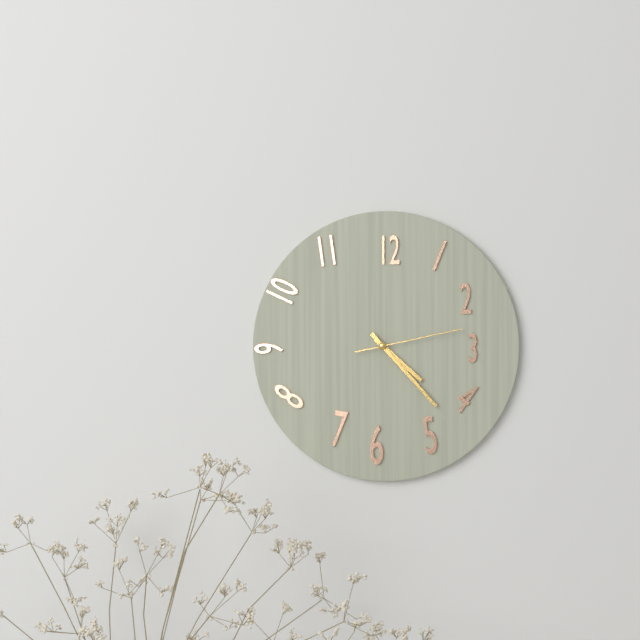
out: 4:23:13
